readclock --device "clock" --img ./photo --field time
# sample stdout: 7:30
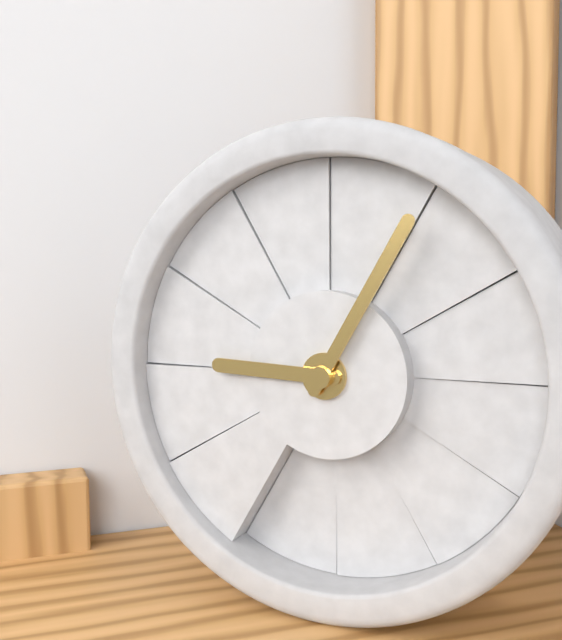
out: 9:05
